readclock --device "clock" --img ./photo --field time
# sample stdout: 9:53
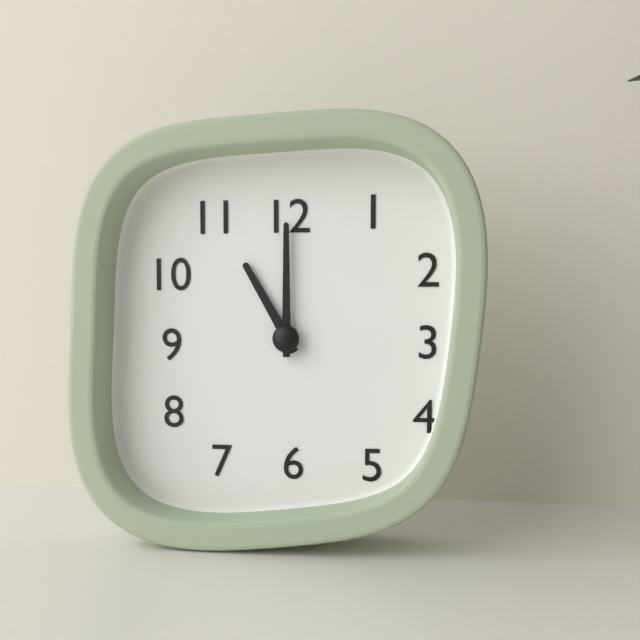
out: 11:00
